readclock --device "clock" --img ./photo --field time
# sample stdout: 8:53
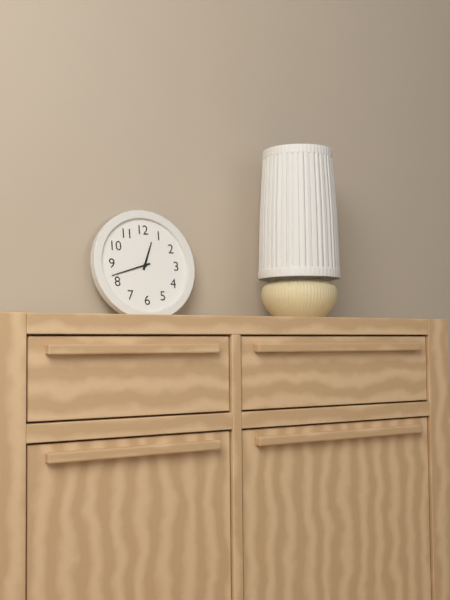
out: 12:42
